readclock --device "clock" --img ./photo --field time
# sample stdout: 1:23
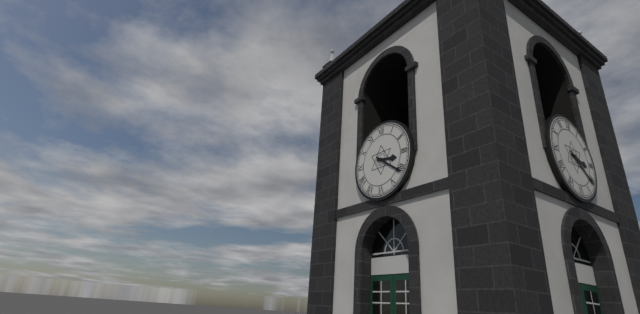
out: 3:21
